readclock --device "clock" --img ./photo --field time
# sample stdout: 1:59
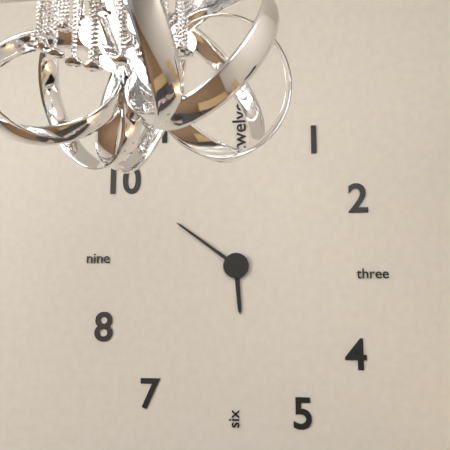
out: 5:51
